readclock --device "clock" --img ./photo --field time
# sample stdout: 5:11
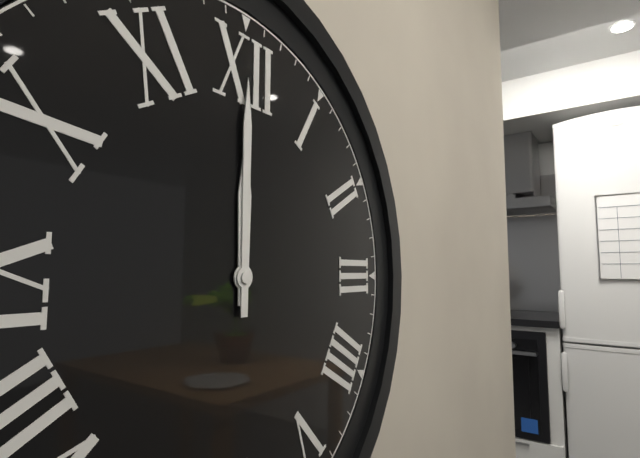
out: 12:00
